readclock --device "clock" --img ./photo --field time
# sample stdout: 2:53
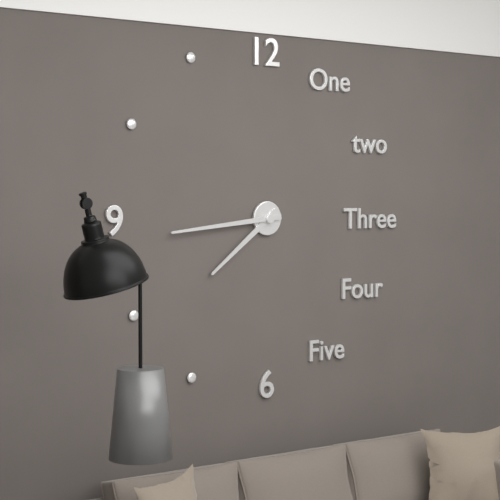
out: 7:44
